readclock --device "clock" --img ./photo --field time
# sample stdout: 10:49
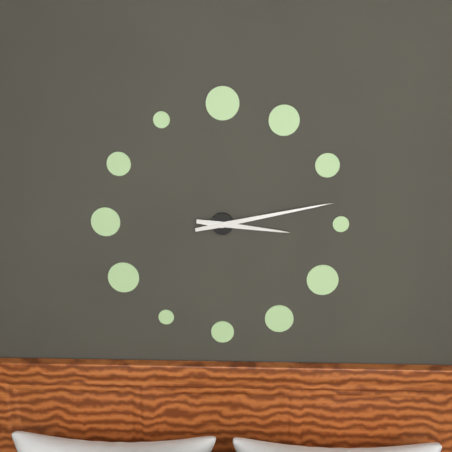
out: 3:13
